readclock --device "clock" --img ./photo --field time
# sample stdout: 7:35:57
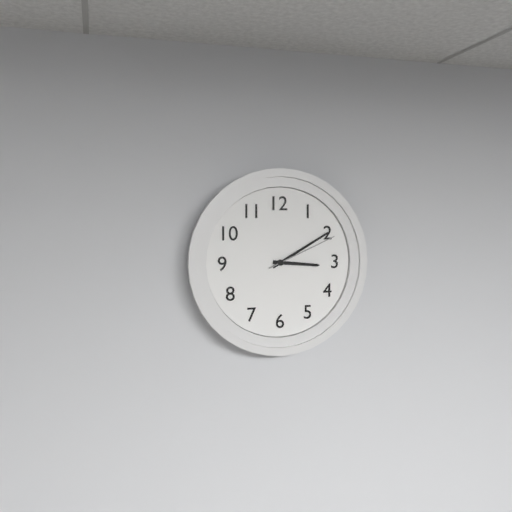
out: 3:10:11
